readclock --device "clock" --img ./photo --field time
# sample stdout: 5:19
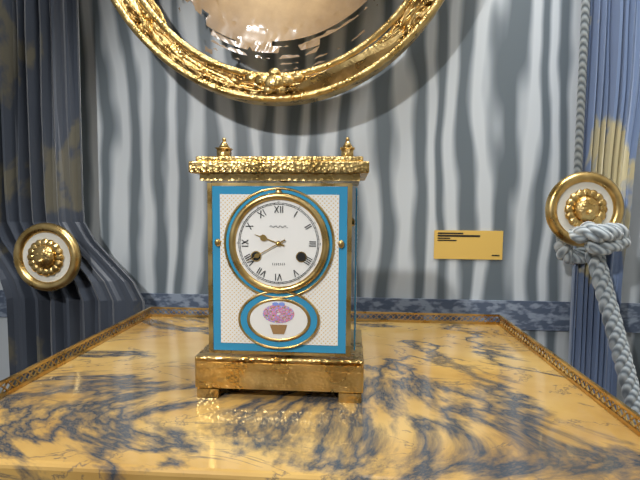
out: 9:40
